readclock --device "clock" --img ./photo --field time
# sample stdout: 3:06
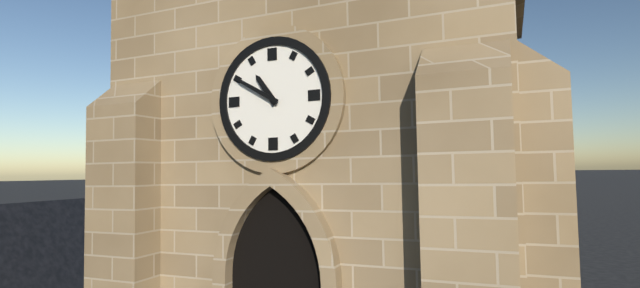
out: 10:50
